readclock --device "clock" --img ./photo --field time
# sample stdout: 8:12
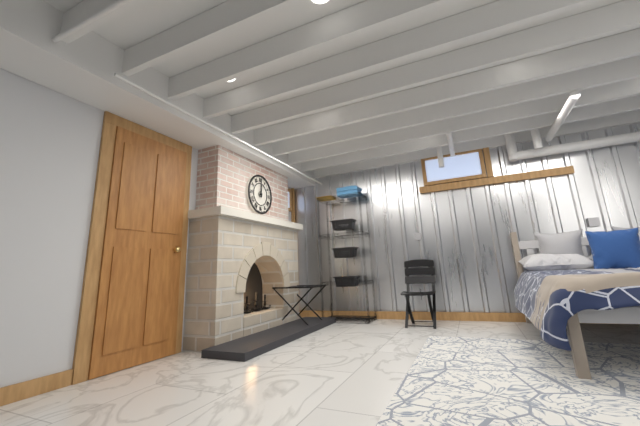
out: 12:00
